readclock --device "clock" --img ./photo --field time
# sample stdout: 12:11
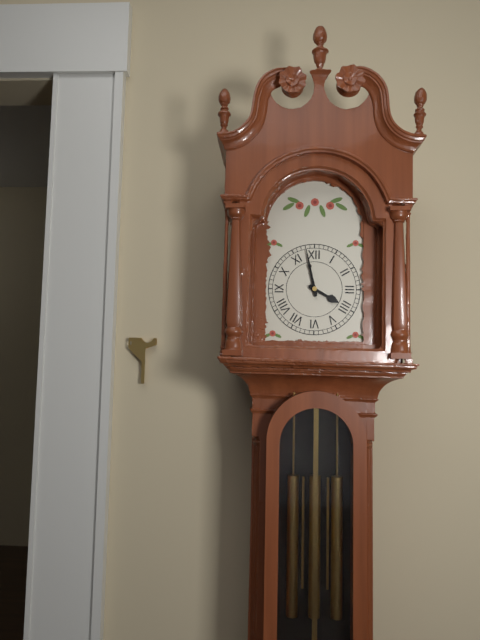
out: 3:58
